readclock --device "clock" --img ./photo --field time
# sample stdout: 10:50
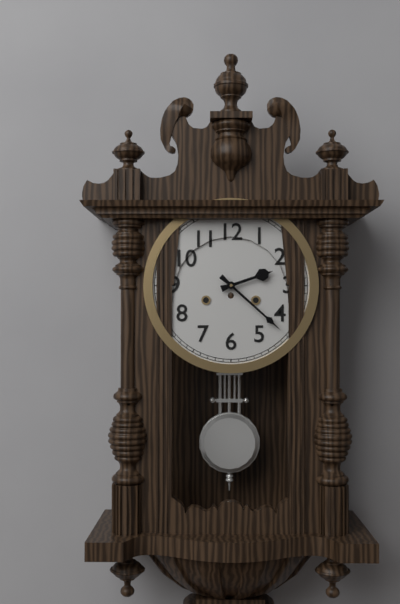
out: 2:22
